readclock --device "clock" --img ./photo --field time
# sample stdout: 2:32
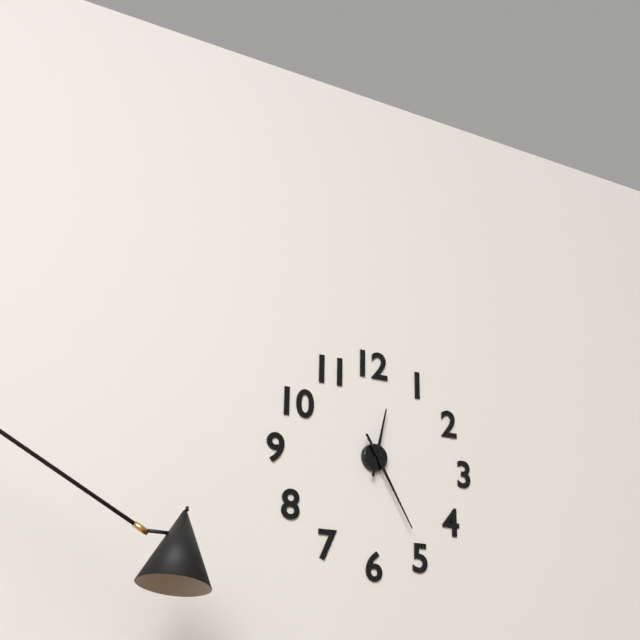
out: 12:25
